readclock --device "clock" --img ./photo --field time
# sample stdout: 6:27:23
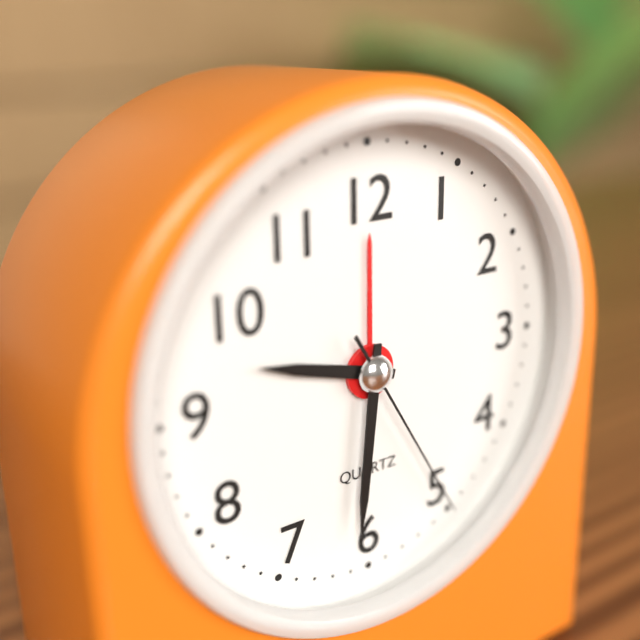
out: 9:31:25
